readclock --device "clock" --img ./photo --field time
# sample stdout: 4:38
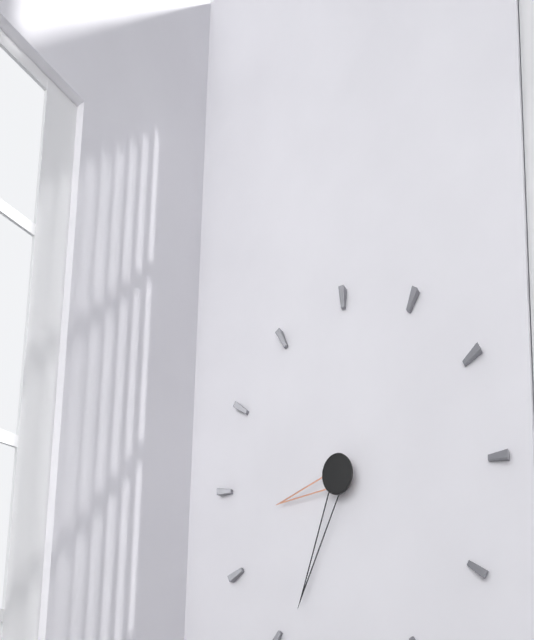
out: 8:34
